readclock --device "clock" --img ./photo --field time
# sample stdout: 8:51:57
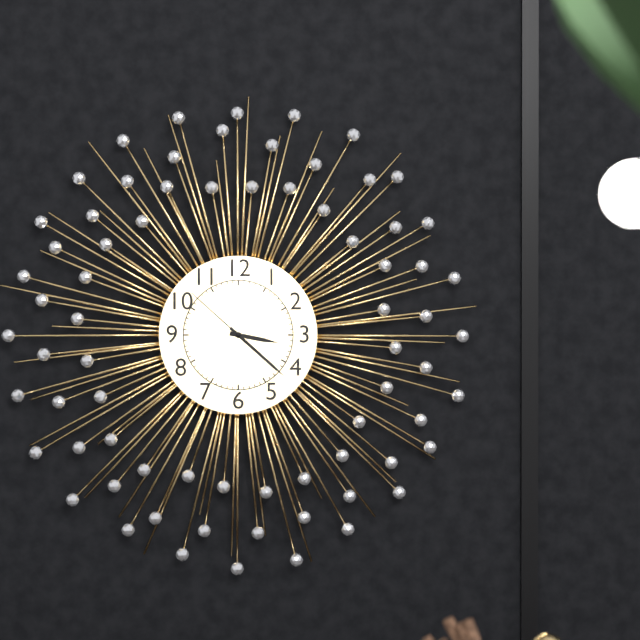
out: 3:22:52
